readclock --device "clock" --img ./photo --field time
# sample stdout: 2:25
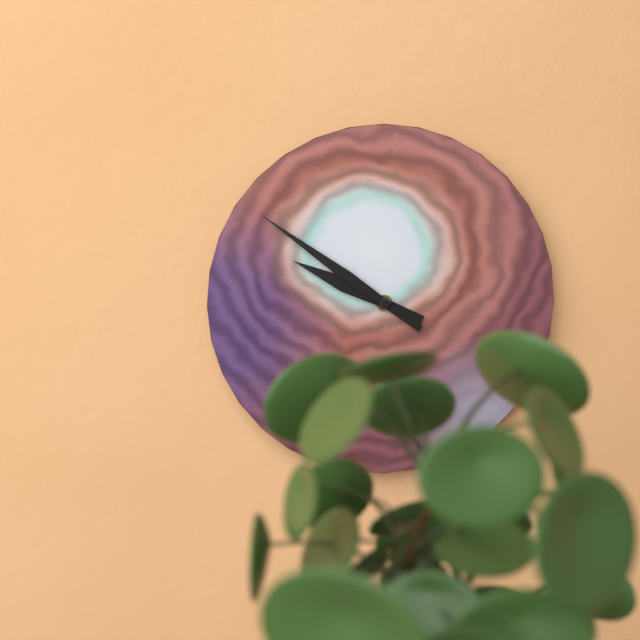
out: 9:51
